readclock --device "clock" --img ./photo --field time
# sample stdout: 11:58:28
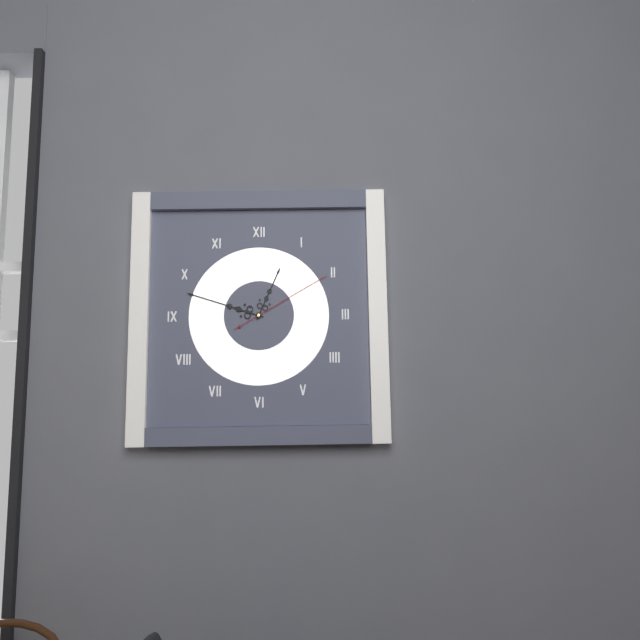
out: 12:48:10
